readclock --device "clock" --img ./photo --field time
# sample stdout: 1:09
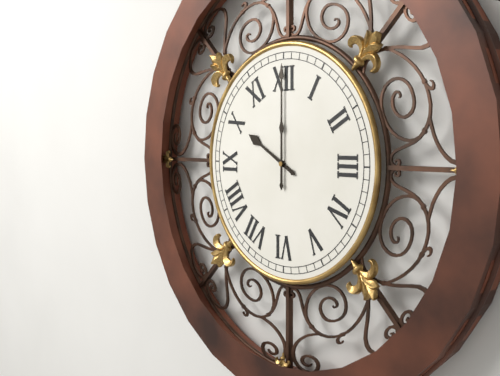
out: 10:00
